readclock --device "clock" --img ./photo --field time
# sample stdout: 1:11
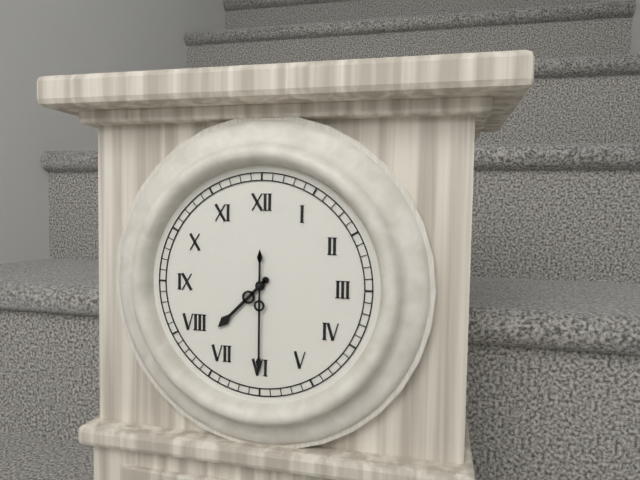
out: 7:30
